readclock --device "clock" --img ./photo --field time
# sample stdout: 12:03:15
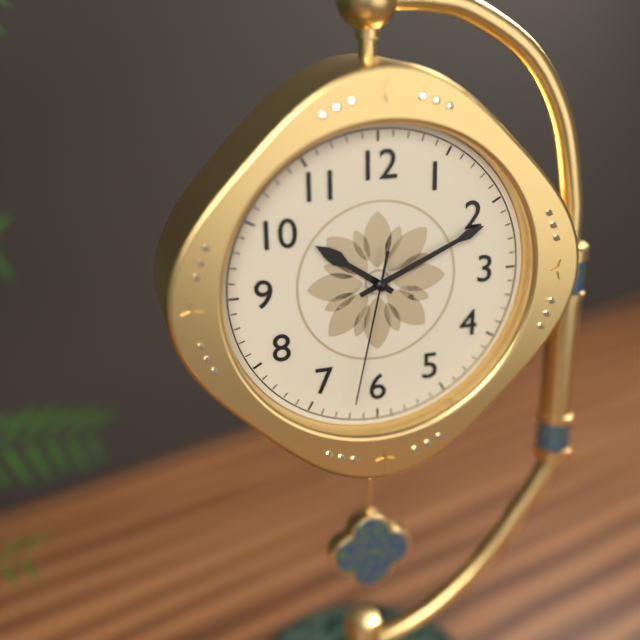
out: 10:11:32
